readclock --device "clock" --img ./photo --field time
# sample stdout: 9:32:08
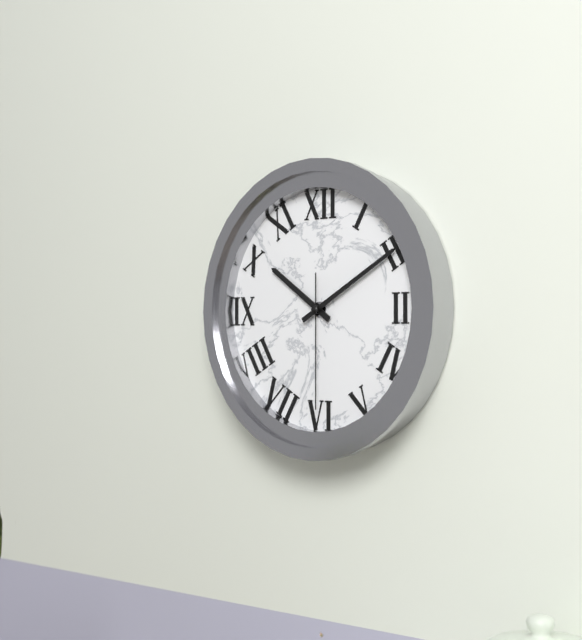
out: 10:10:30
